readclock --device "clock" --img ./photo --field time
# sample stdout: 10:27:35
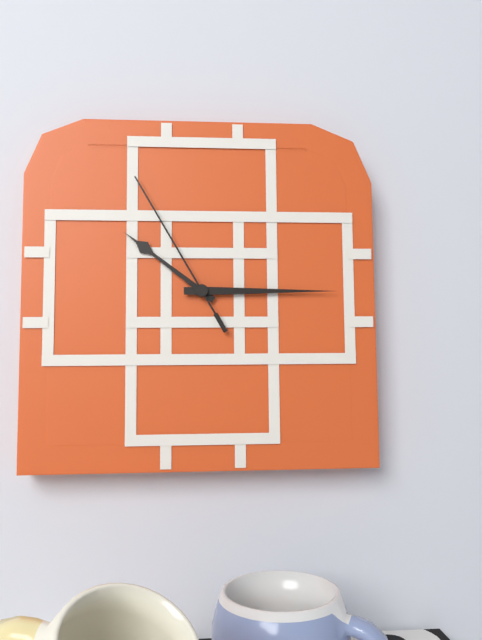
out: 10:15:55
